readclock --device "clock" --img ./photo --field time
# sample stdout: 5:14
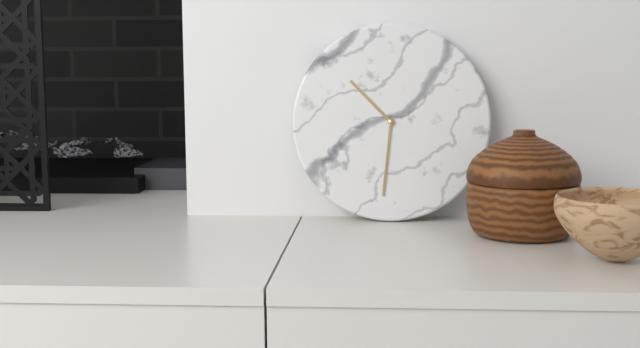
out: 10:31
